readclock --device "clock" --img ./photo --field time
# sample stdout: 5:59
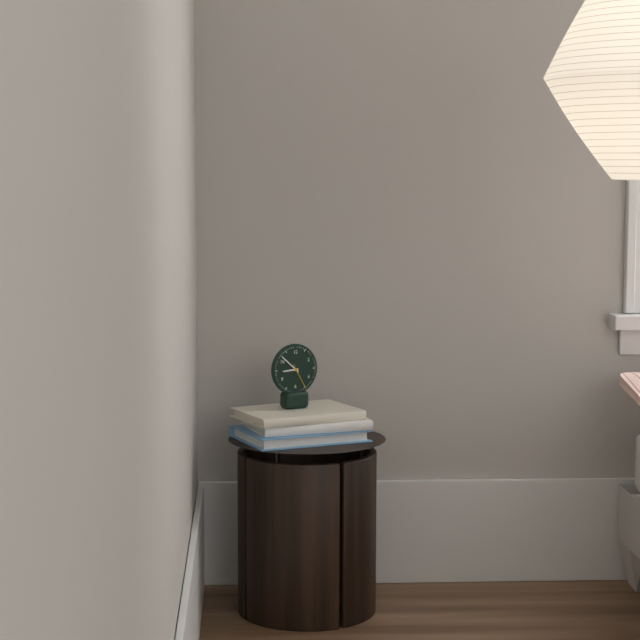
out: 8:52
